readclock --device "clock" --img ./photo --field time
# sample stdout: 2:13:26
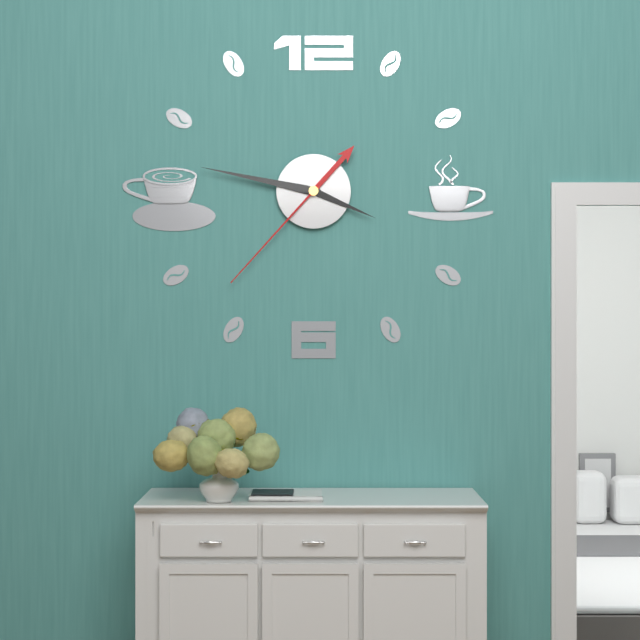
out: 3:47:37
